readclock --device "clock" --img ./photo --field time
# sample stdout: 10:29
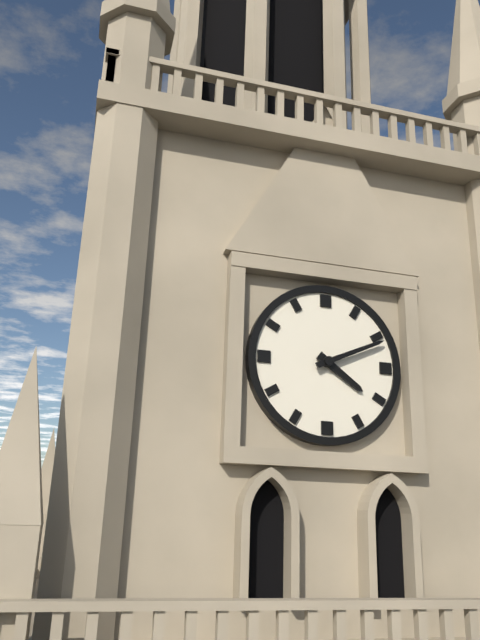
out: 4:11
